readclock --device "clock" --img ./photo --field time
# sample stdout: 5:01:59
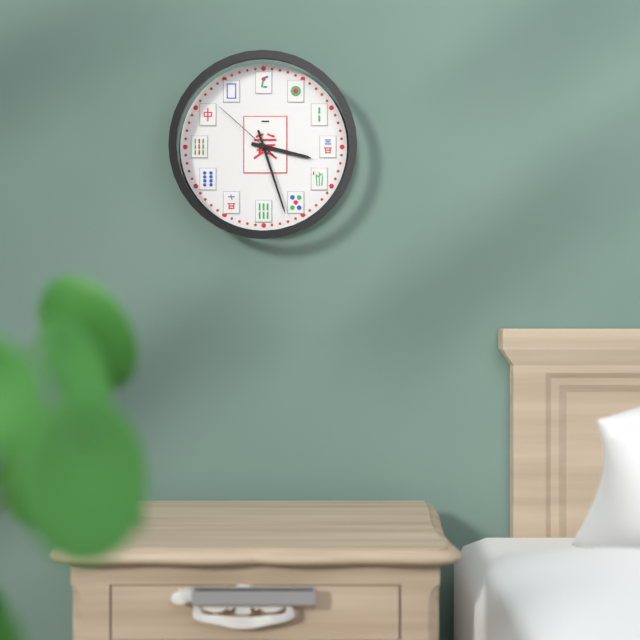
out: 3:27:52
